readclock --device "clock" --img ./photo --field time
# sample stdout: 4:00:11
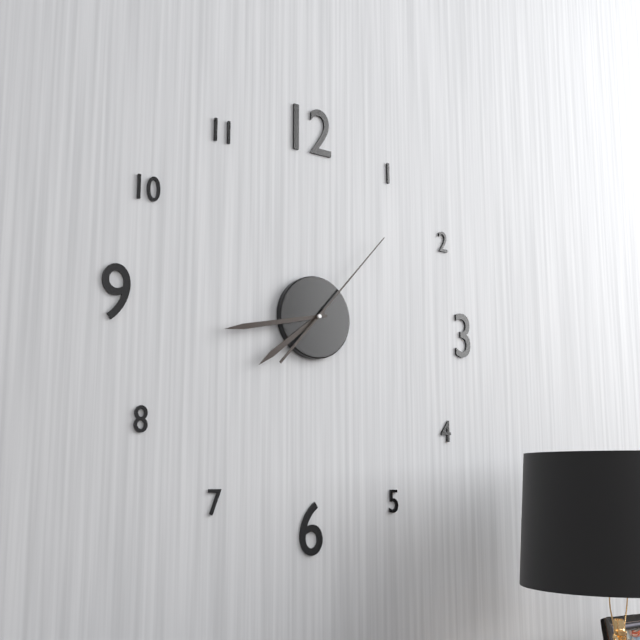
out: 7:43:07
